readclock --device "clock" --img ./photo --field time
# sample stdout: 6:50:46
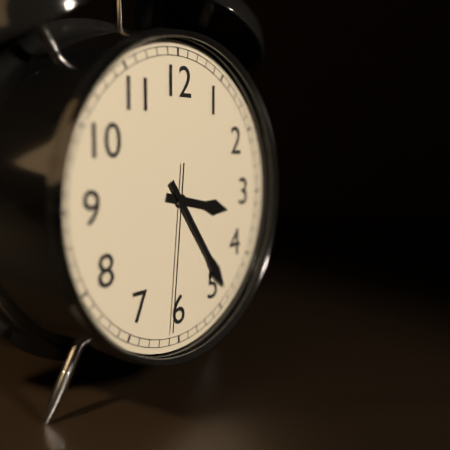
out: 3:24:31
